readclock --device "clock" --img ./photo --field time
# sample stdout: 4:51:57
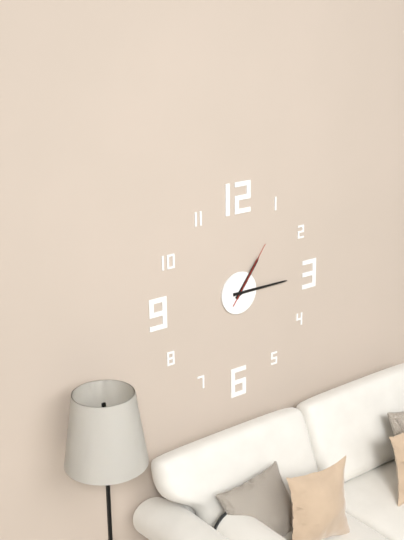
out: 1:15:06
